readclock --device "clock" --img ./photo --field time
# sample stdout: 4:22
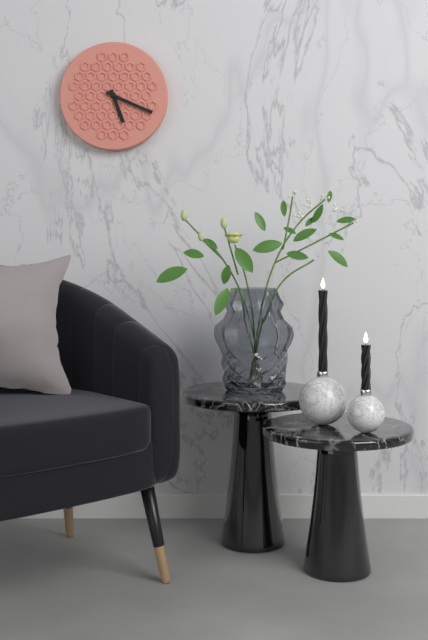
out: 5:19
